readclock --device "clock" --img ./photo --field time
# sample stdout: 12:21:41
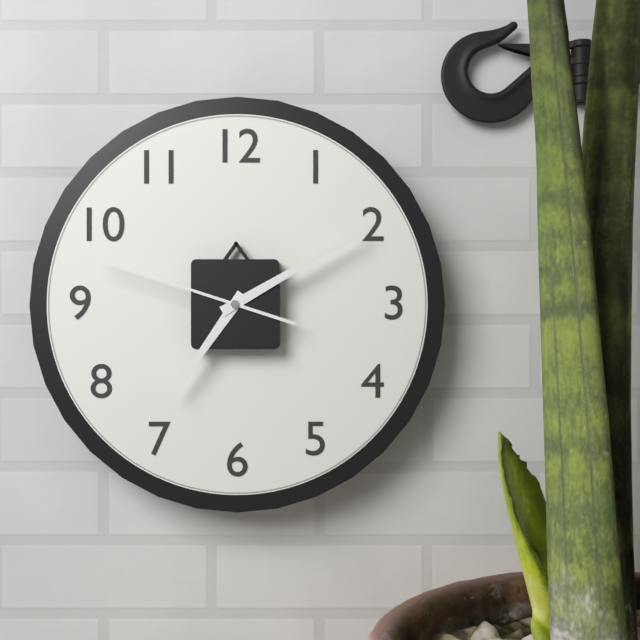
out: 7:10:48
